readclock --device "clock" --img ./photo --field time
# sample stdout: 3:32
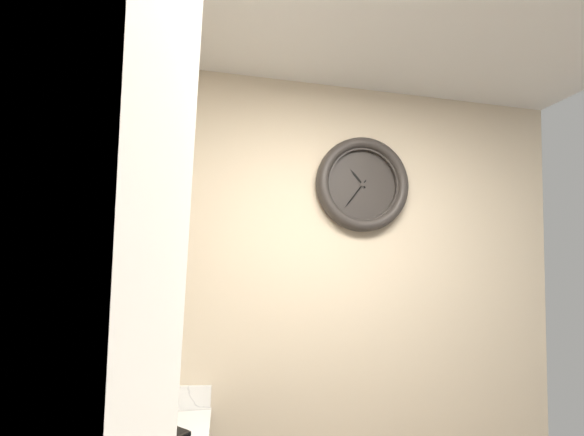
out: 10:36
